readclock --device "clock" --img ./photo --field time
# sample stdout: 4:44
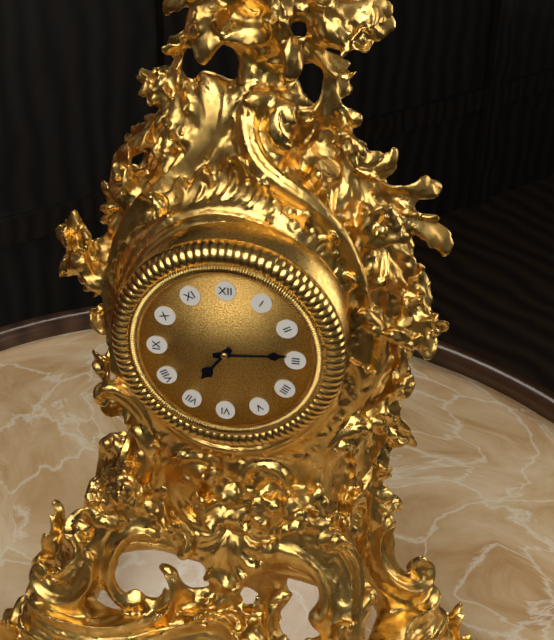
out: 7:14
